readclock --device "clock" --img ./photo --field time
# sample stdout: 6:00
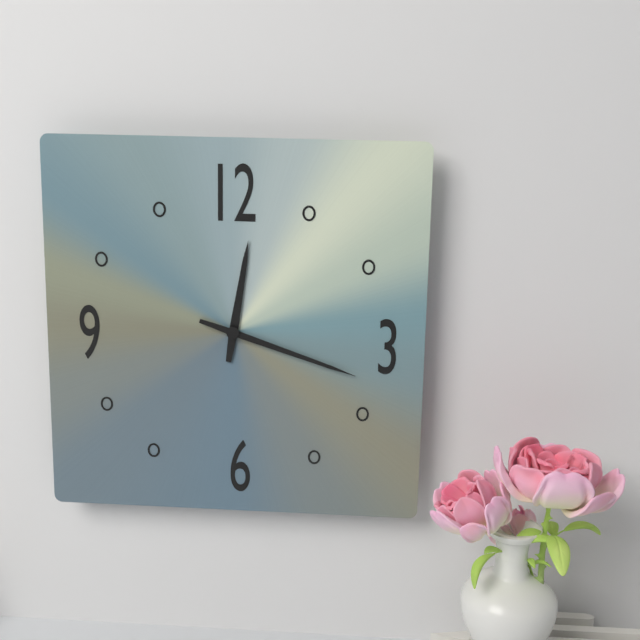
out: 12:18
